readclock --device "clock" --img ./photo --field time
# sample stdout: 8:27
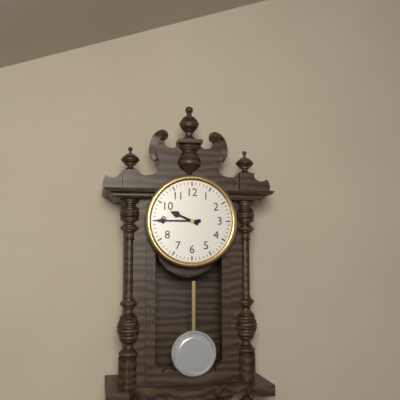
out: 9:45
